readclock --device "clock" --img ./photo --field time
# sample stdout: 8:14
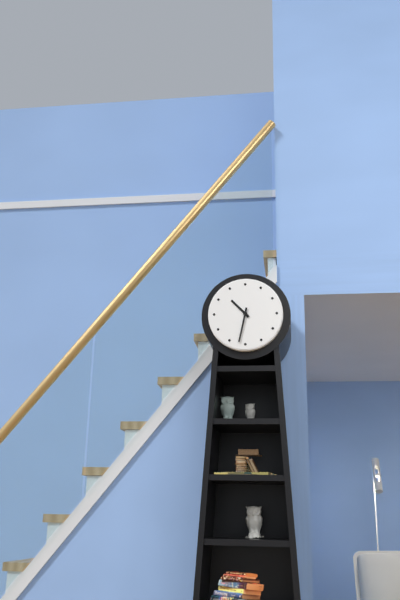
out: 10:32
